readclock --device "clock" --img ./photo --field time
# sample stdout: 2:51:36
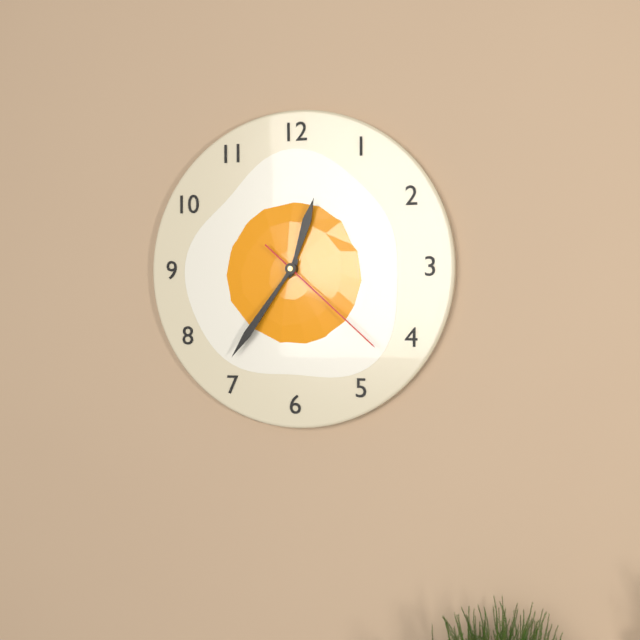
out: 12:36:22
